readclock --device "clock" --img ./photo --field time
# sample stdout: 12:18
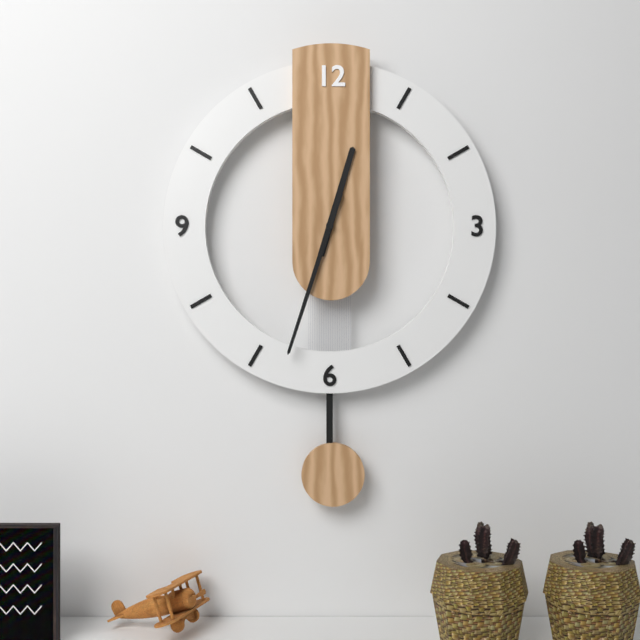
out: 12:33
